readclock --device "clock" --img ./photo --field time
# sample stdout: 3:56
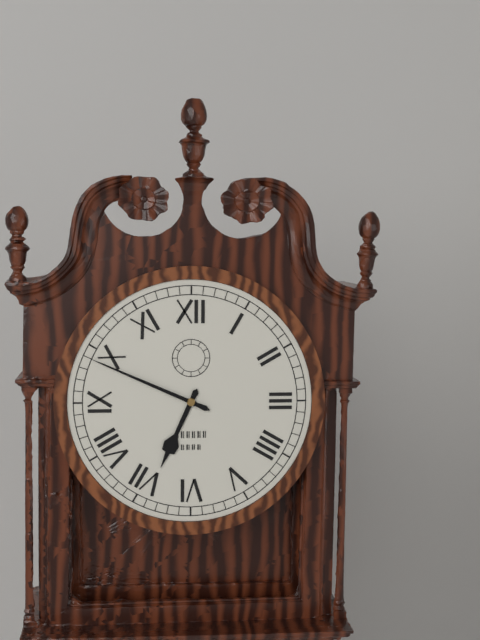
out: 6:49
